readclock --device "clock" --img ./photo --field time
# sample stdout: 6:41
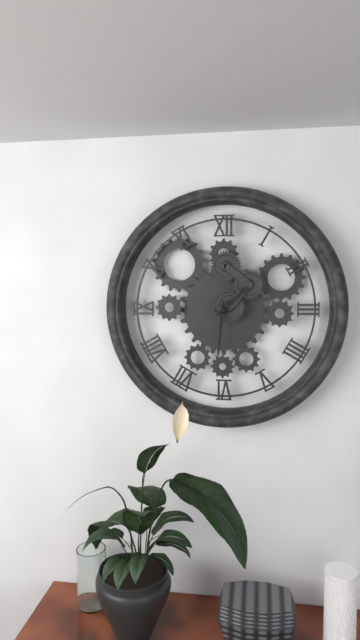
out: 1:31
